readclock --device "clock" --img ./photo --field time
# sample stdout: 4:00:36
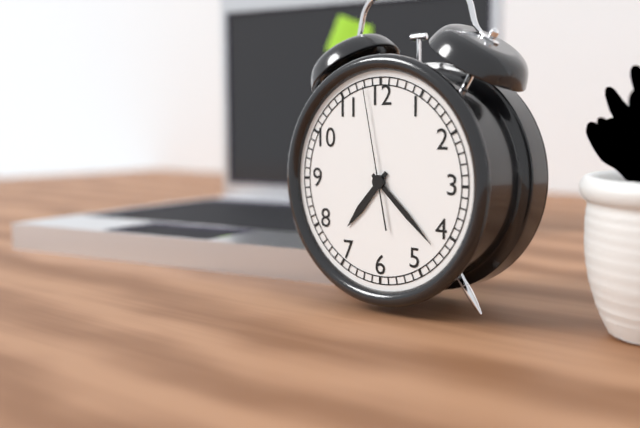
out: 7:22:58
